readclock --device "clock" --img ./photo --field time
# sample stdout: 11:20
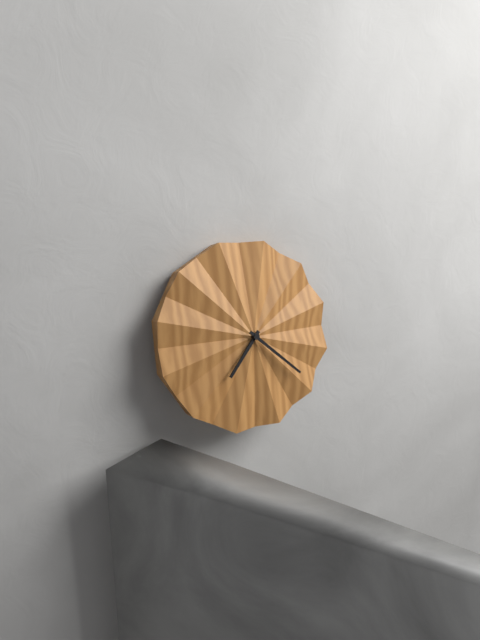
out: 7:22
